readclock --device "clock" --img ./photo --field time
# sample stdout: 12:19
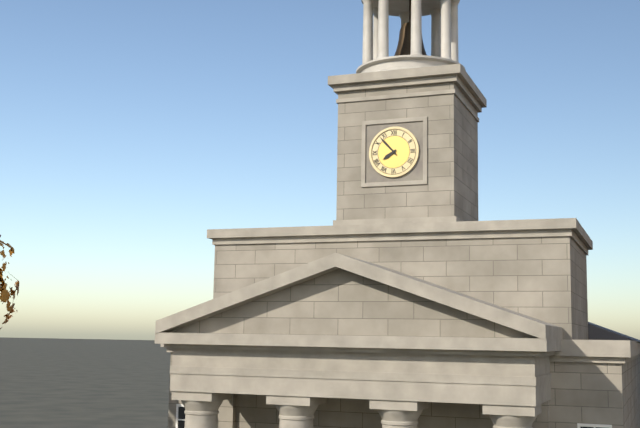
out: 7:53
